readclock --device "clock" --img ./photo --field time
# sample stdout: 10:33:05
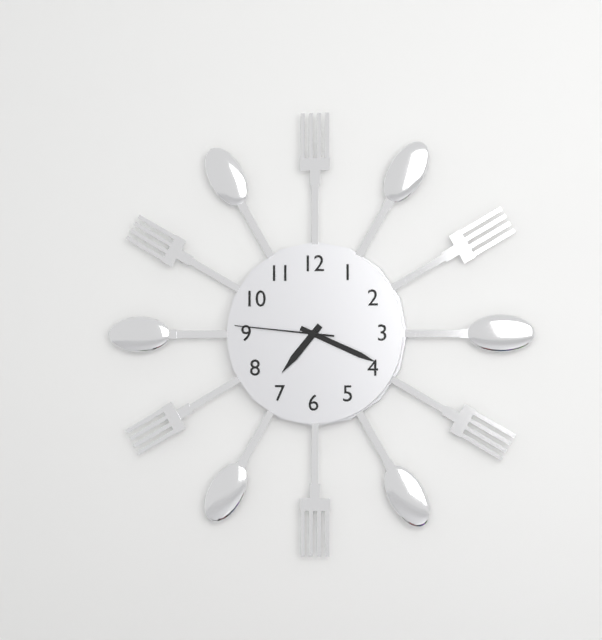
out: 7:19:46
